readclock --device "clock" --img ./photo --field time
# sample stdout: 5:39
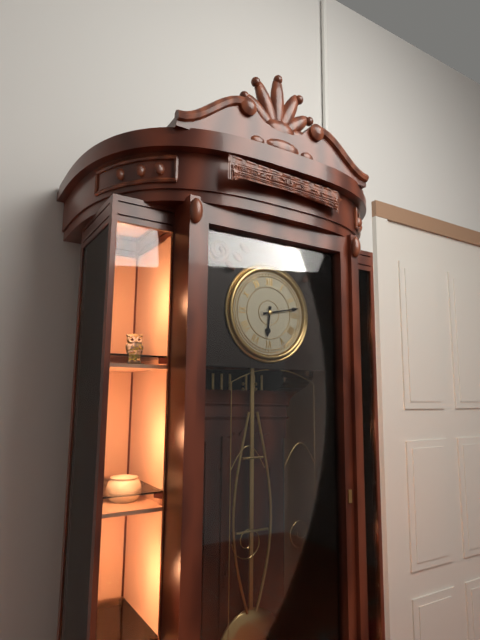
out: 6:13
